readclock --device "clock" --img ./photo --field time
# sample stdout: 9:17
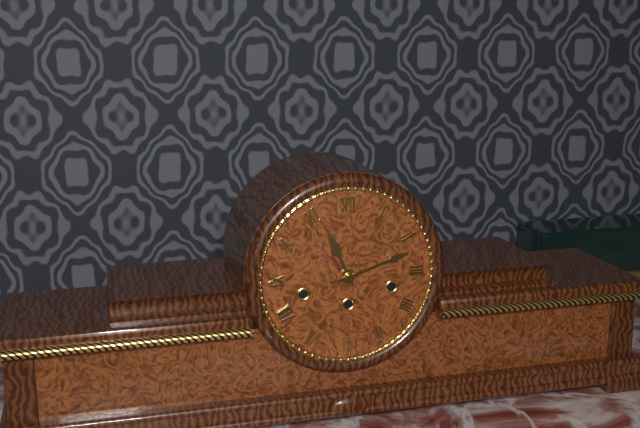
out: 11:12
